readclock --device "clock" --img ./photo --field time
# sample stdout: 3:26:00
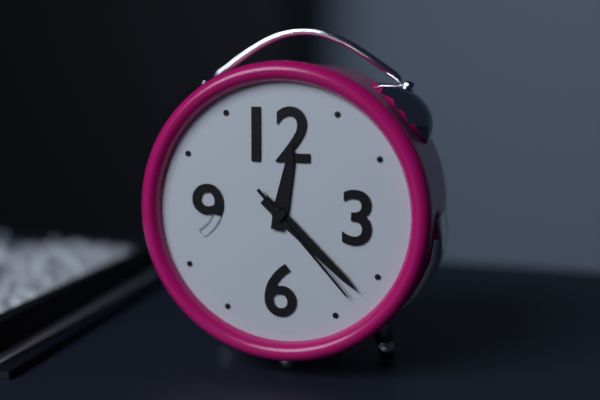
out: 12:22:23
